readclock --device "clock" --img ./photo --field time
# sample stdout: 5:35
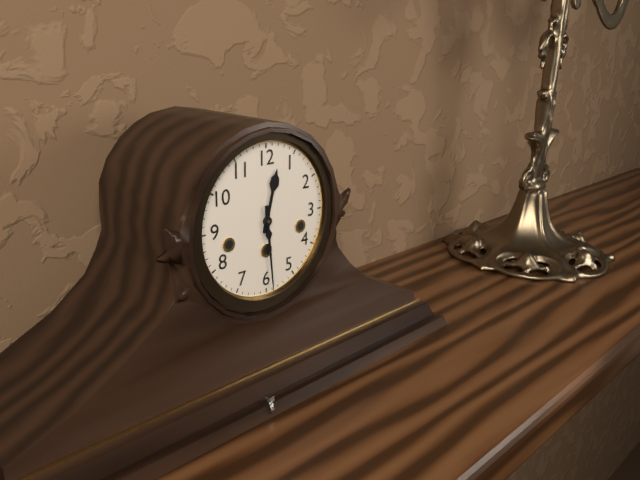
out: 12:29
